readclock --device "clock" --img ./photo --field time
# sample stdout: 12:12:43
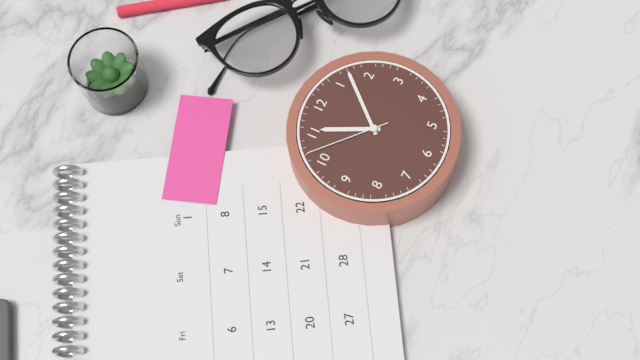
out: 11:07:52
